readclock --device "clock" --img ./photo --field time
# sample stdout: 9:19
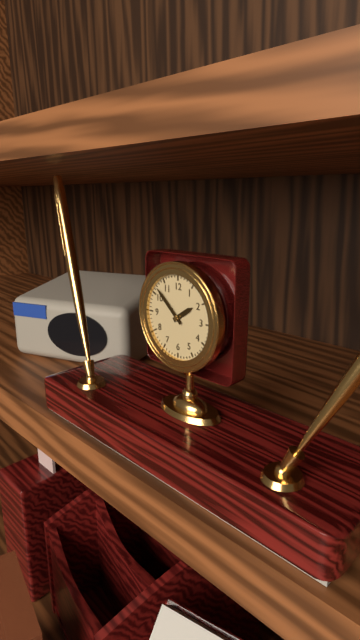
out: 1:52
